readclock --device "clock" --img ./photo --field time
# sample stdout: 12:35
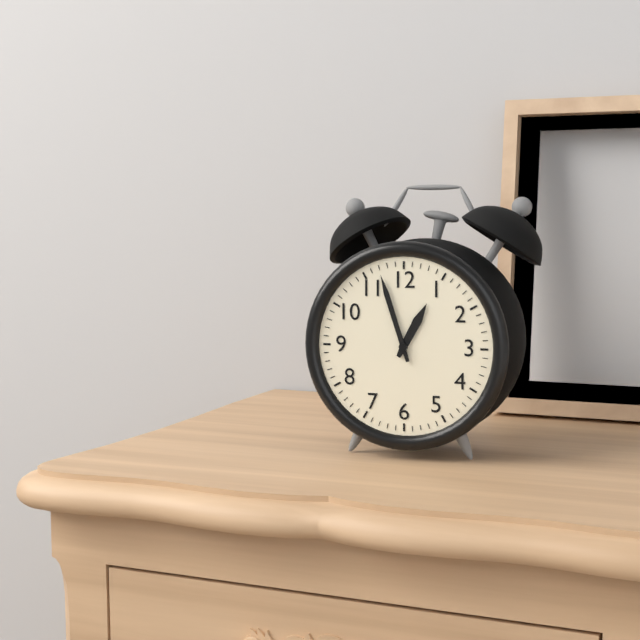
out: 12:57
